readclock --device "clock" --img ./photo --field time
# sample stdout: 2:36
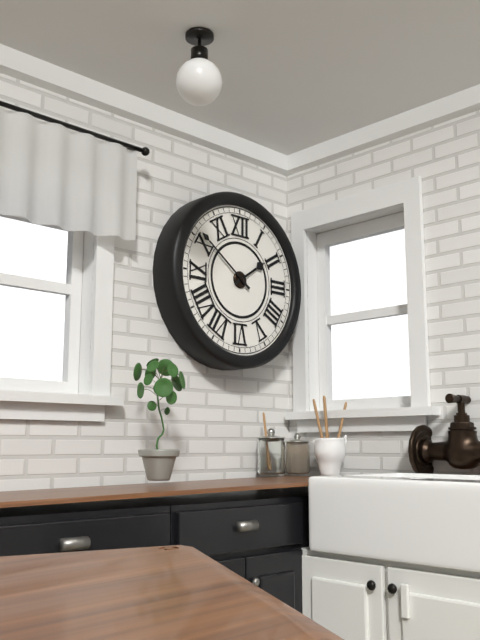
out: 1:51
